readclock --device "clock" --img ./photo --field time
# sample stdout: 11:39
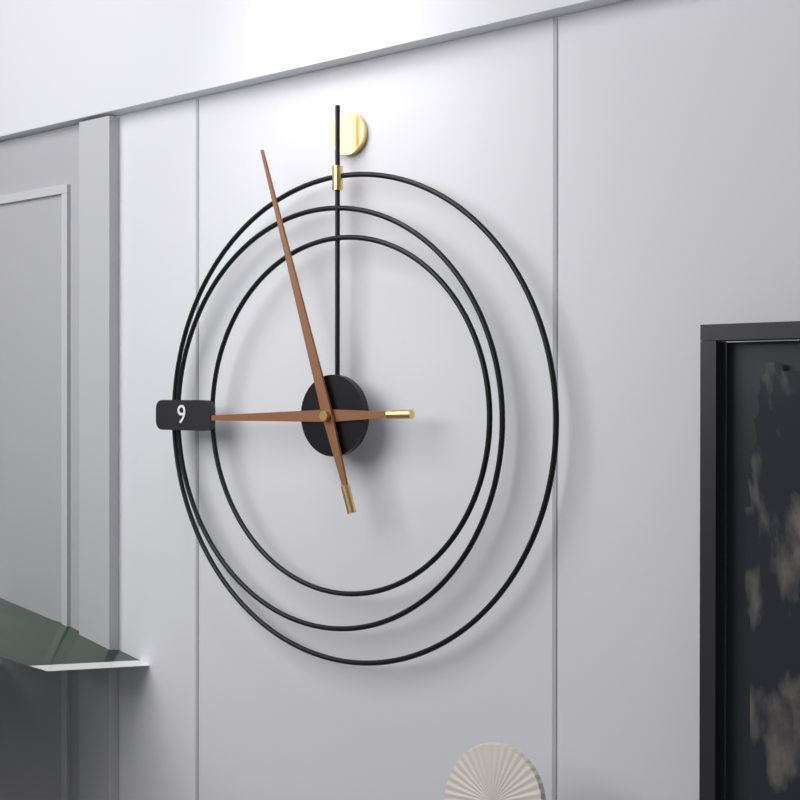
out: 8:57
